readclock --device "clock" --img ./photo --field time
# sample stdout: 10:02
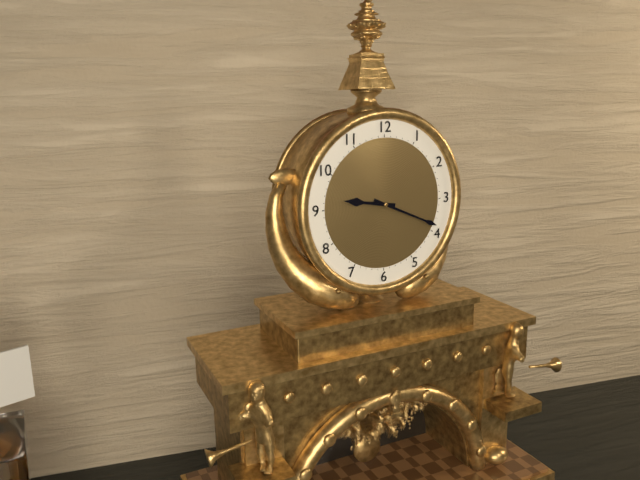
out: 9:19
